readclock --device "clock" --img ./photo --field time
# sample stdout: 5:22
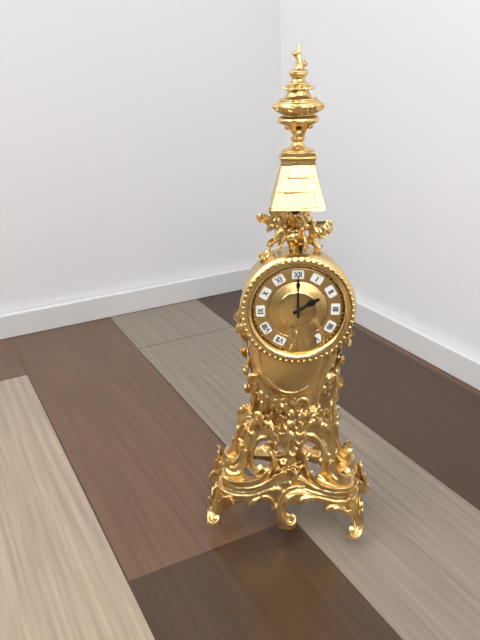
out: 2:00
